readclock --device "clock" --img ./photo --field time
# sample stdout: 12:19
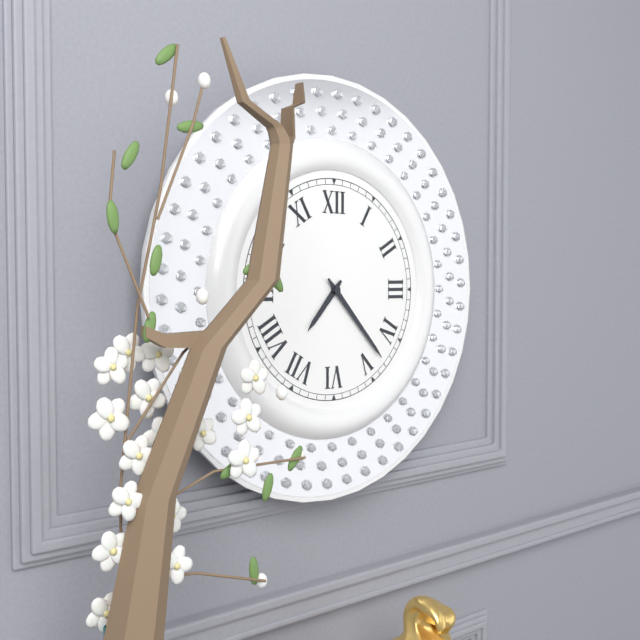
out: 7:23
